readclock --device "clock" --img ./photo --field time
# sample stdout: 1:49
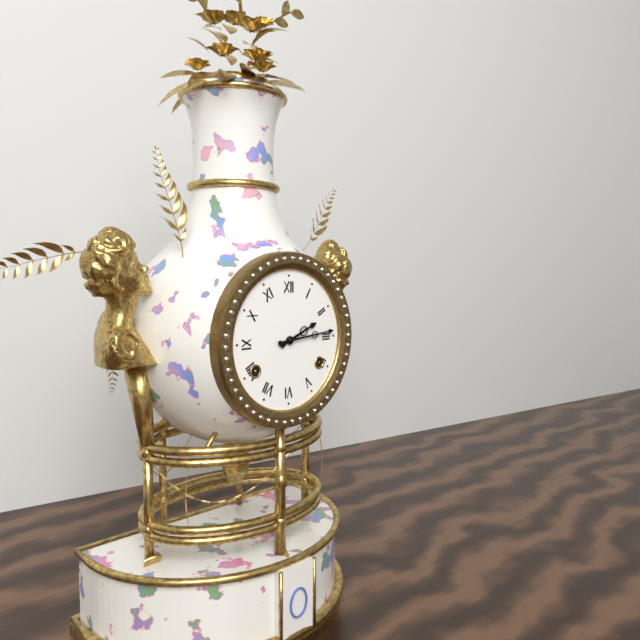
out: 2:14
